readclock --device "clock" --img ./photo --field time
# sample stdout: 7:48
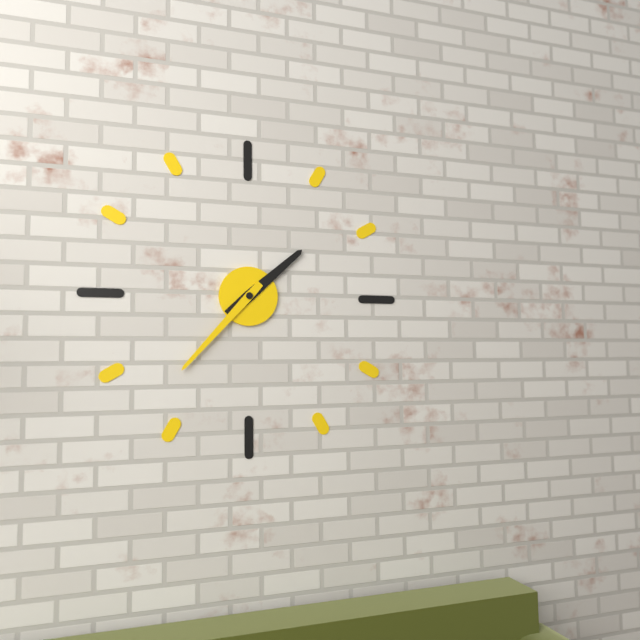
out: 1:37
